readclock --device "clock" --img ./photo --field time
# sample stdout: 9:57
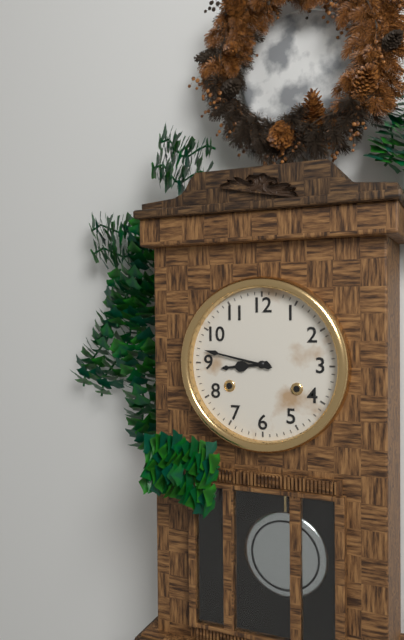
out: 8:47
